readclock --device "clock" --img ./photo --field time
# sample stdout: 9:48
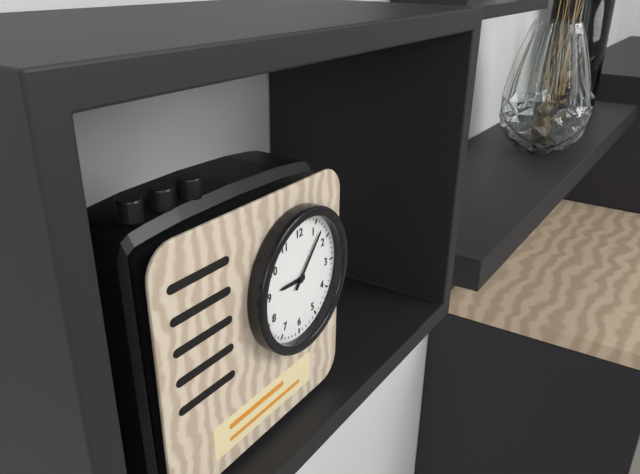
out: 9:07
